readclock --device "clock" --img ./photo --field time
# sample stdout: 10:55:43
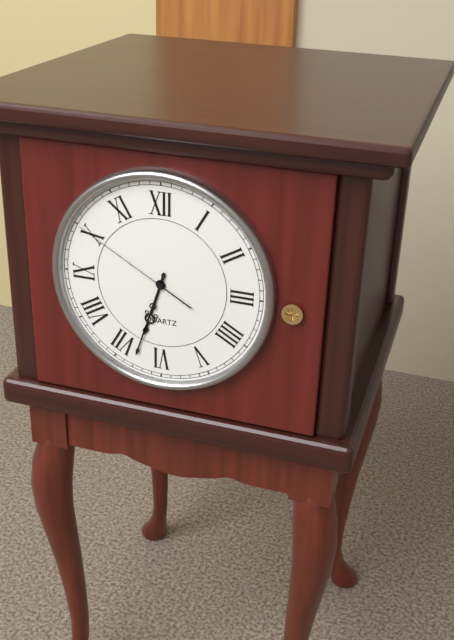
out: 6:33:50
